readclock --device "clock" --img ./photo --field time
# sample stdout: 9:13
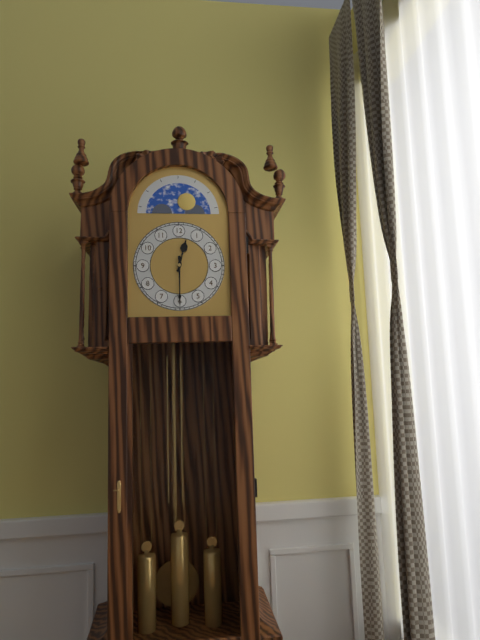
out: 12:30
